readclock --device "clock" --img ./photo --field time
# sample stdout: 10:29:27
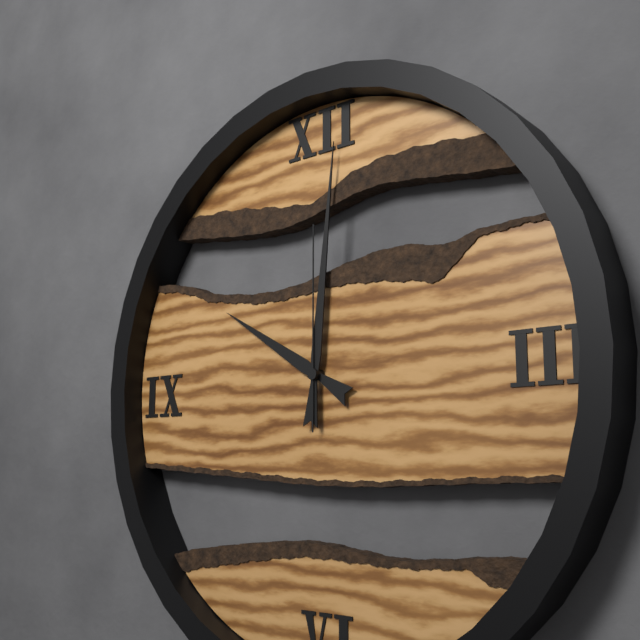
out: 10:01:00
